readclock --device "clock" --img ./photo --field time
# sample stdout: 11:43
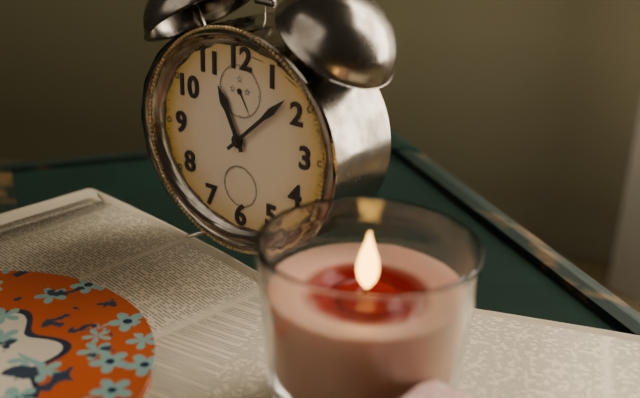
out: 11:08
